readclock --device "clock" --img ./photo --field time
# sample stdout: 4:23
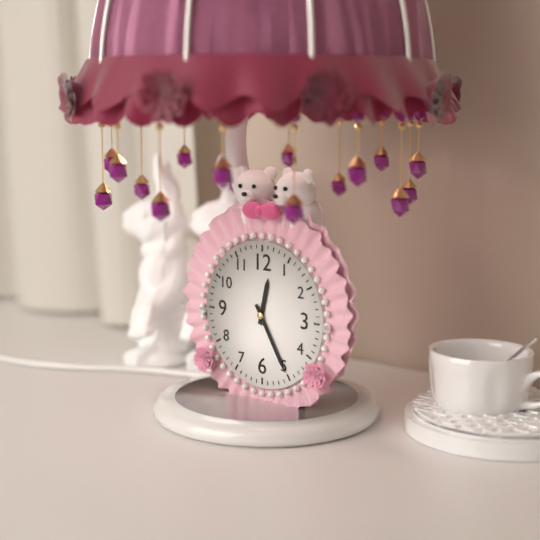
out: 12:25
